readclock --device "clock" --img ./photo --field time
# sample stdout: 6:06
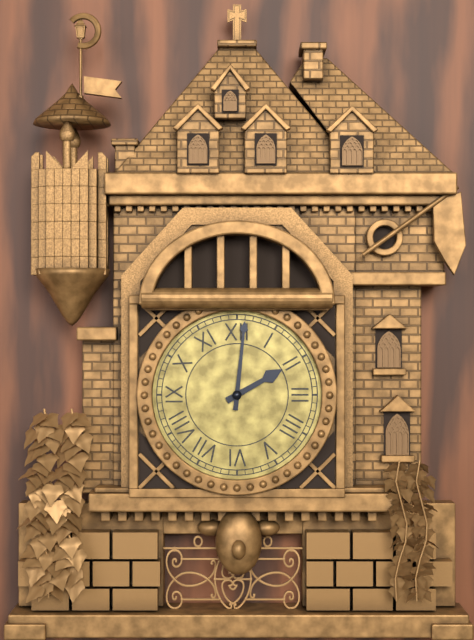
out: 2:01
